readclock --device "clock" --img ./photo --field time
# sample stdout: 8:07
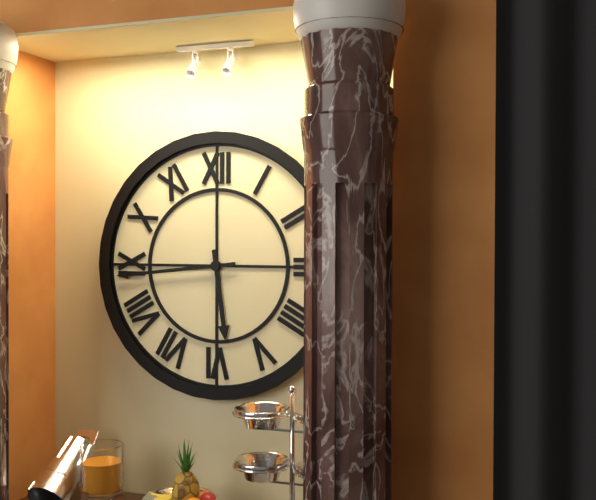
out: 5:44
